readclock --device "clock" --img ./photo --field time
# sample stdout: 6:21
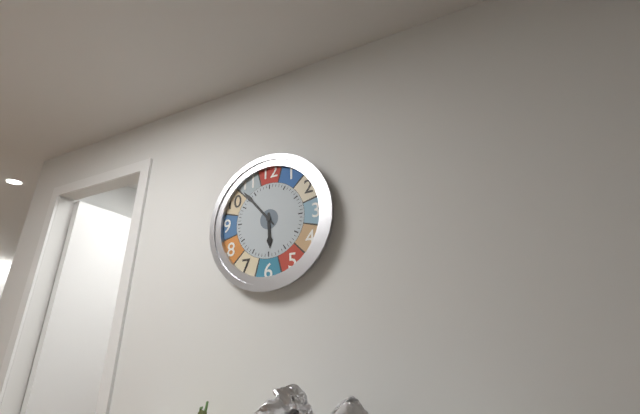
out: 5:53
